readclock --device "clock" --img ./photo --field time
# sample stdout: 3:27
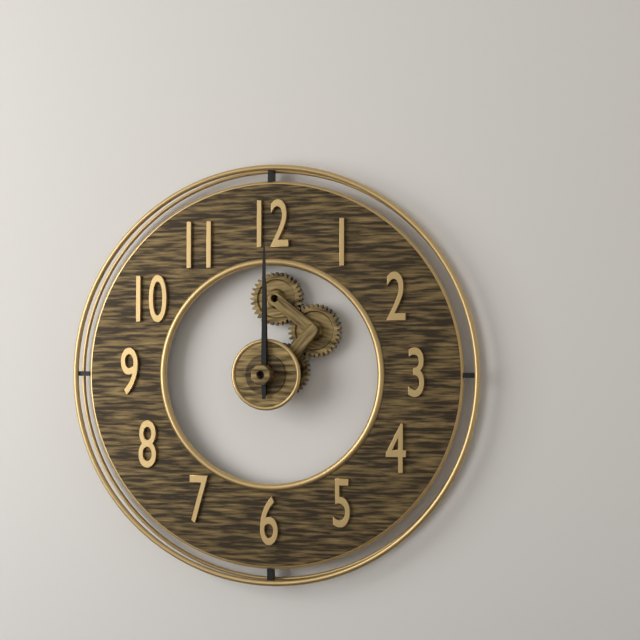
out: 12:00
